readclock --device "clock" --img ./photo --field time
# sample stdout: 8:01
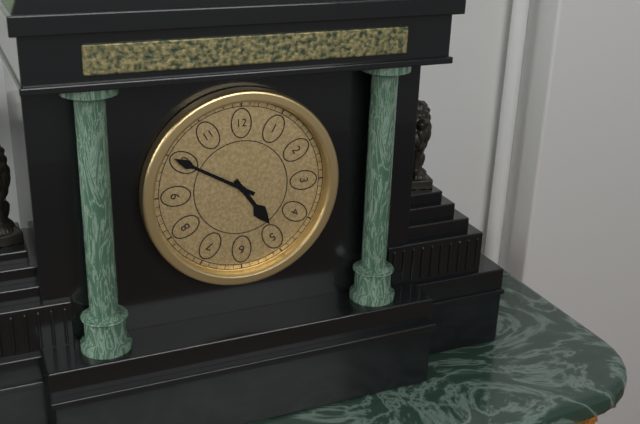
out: 4:50
